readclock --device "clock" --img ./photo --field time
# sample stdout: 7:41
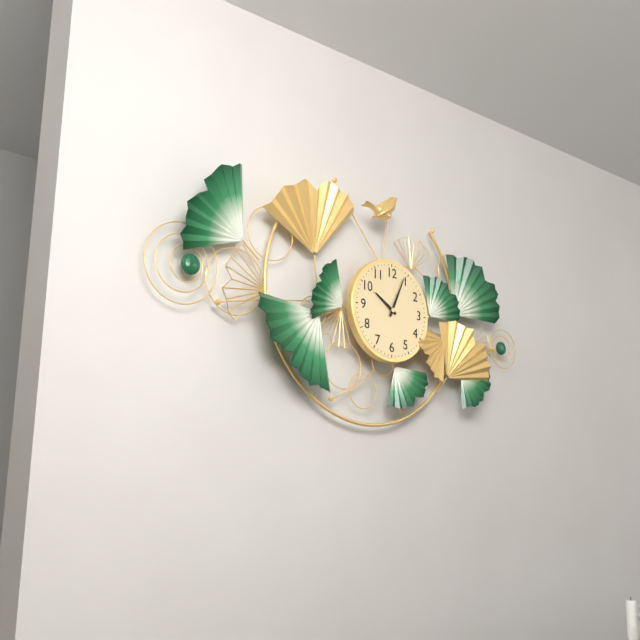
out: 10:04
